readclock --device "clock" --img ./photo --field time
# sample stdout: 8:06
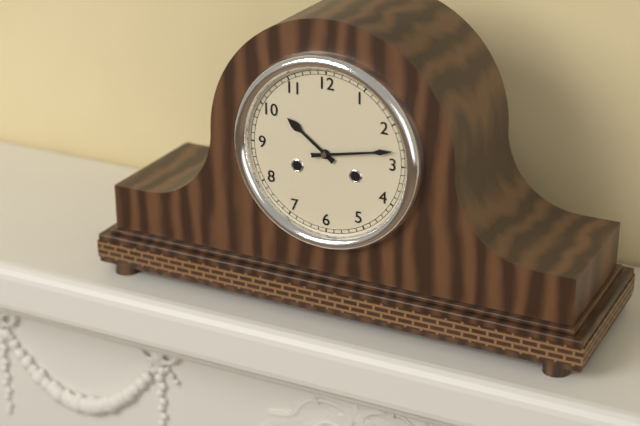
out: 10:13
